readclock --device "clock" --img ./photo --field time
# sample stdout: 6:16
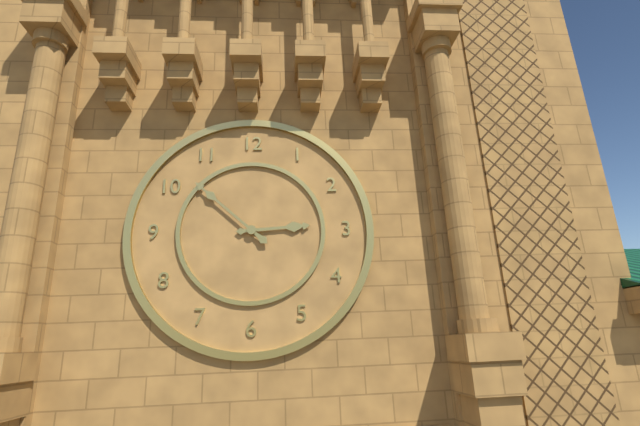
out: 2:52
